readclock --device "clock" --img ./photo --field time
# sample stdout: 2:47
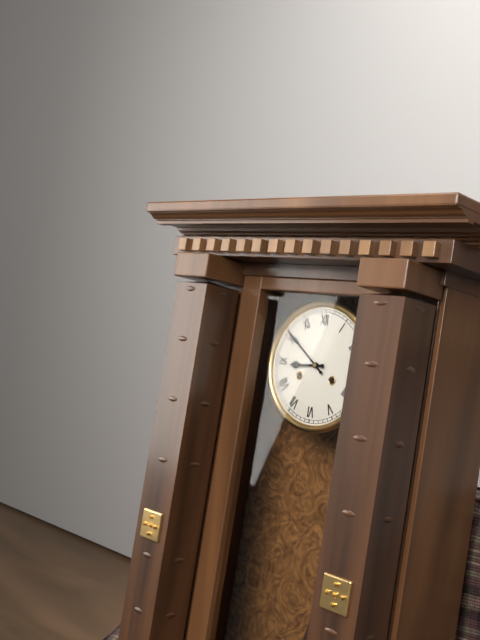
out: 8:51
